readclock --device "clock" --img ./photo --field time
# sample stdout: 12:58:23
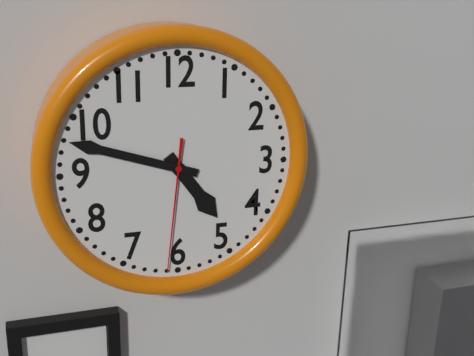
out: 4:48:31
